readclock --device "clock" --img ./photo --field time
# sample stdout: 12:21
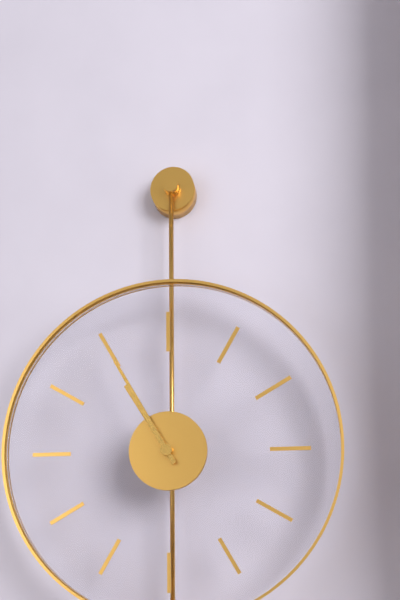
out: 10:55
